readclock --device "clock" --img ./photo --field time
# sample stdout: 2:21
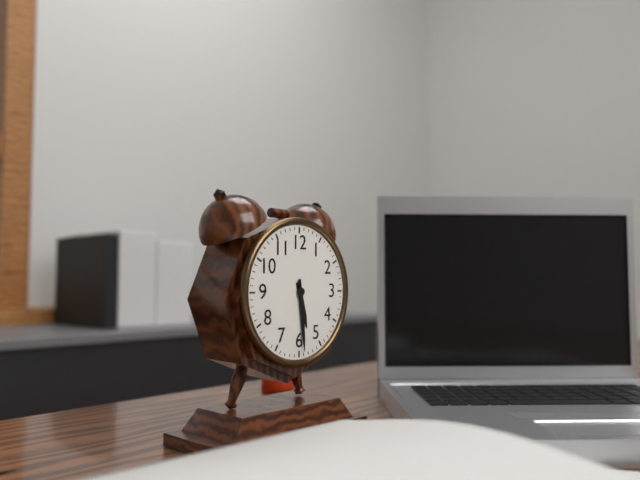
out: 5:29
